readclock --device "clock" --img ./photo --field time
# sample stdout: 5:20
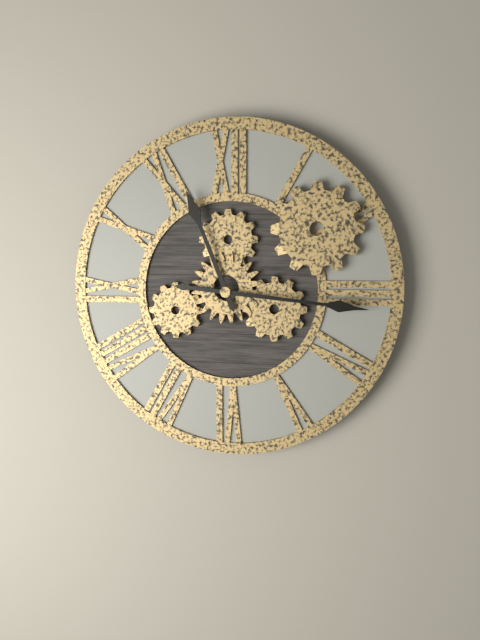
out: 11:16
